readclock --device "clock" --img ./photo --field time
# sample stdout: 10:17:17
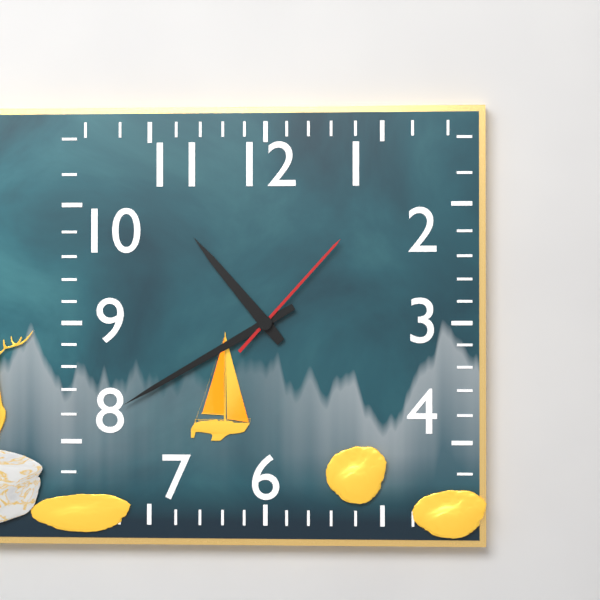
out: 10:40:07
